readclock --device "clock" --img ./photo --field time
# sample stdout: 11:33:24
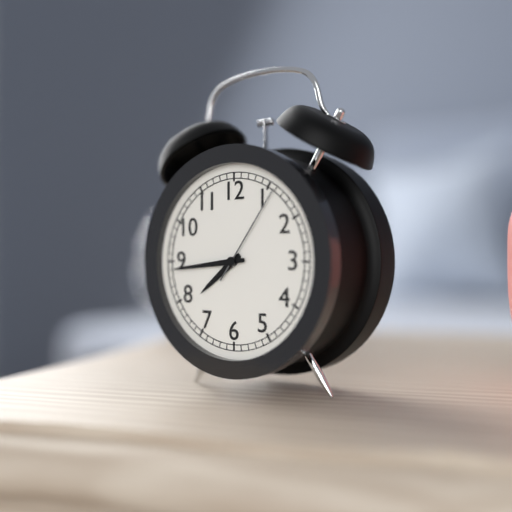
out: 7:44:06
